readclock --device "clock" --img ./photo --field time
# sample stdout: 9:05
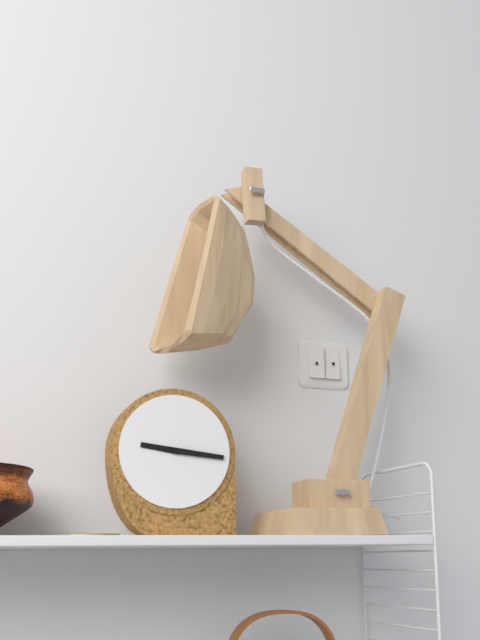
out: 9:16
